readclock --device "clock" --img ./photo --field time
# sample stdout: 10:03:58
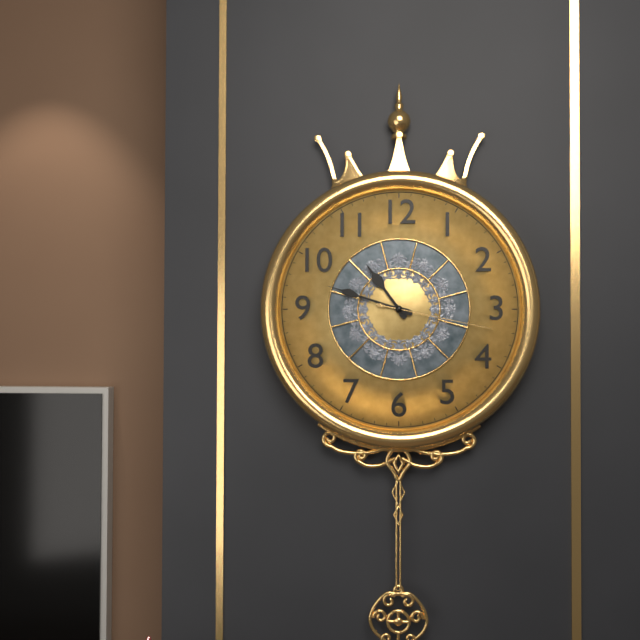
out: 10:48:17
